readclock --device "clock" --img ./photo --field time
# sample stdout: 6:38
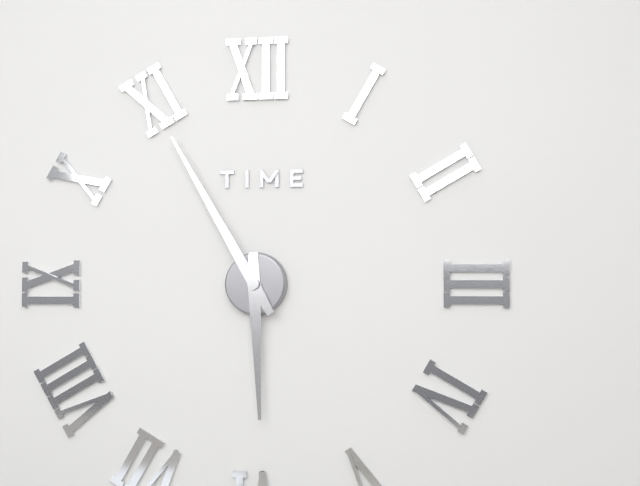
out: 5:55
